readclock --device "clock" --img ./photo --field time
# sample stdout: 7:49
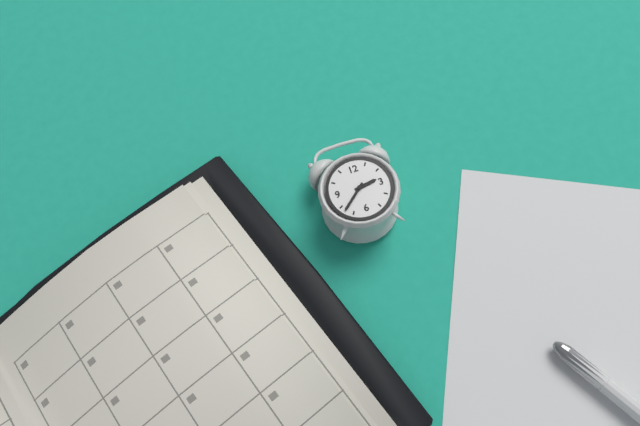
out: 2:38
